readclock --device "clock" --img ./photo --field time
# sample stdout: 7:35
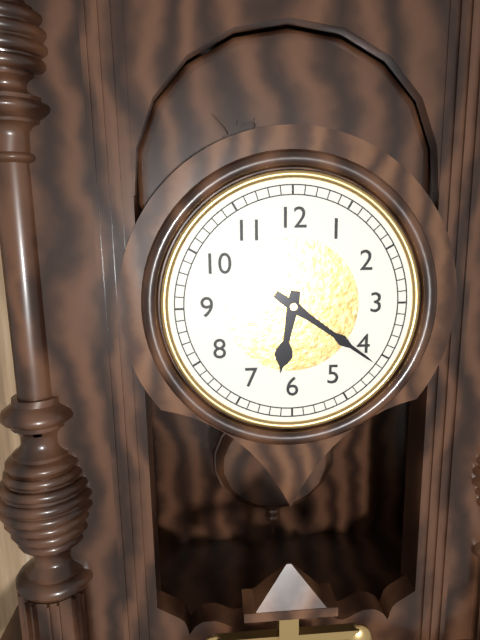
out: 6:21
